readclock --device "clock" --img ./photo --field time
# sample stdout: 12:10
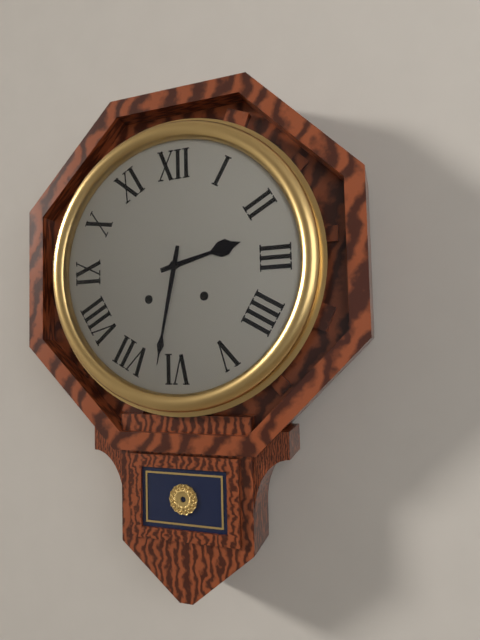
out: 2:32
